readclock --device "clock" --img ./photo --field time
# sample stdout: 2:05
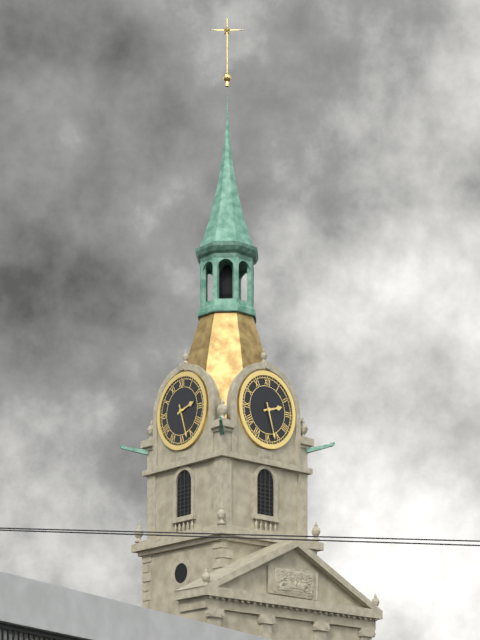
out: 2:27
